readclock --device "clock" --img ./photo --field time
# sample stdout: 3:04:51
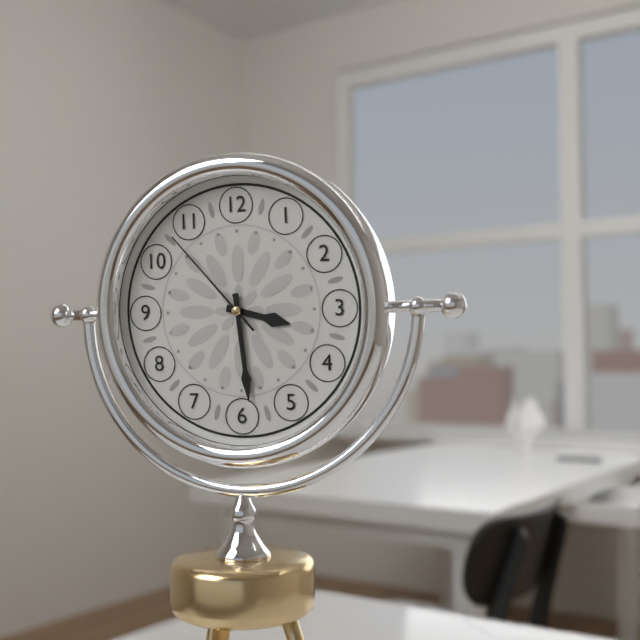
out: 3:29:53
